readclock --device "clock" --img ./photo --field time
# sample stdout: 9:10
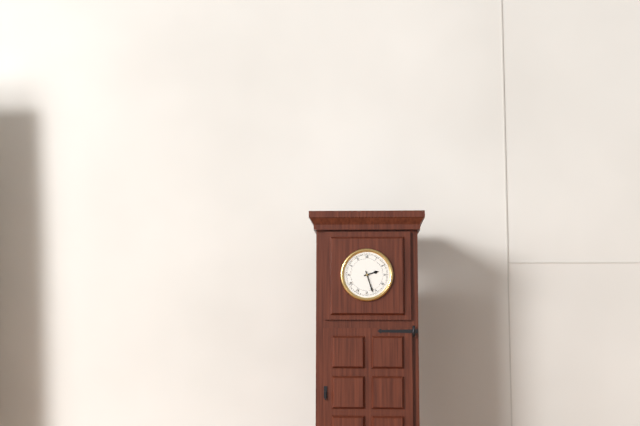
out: 2:27
